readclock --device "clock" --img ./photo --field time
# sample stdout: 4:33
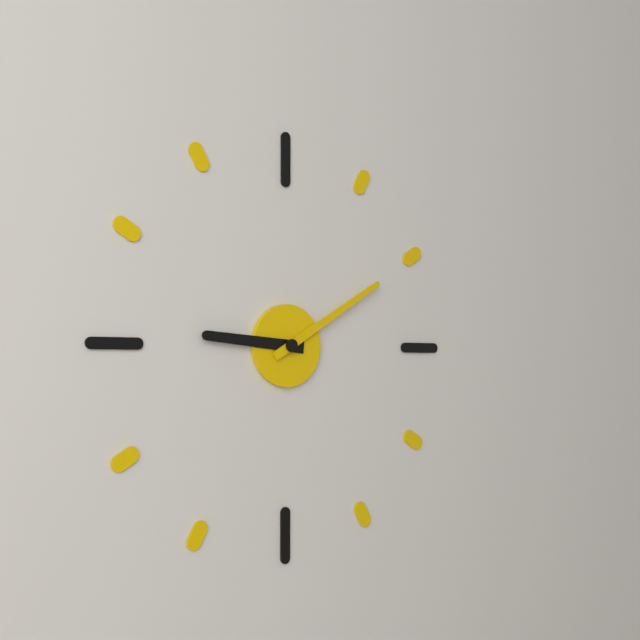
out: 9:10
